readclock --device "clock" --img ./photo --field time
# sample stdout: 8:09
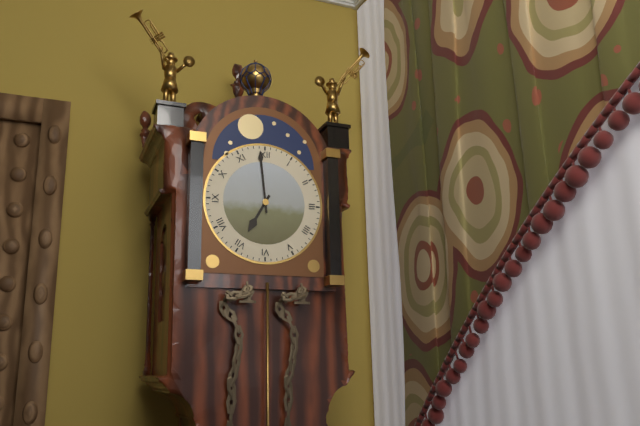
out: 6:59
